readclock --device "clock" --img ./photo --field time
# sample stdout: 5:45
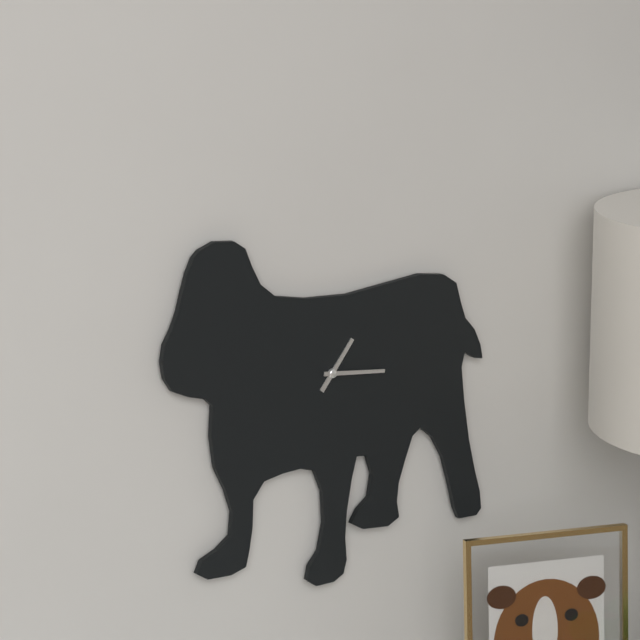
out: 1:16
